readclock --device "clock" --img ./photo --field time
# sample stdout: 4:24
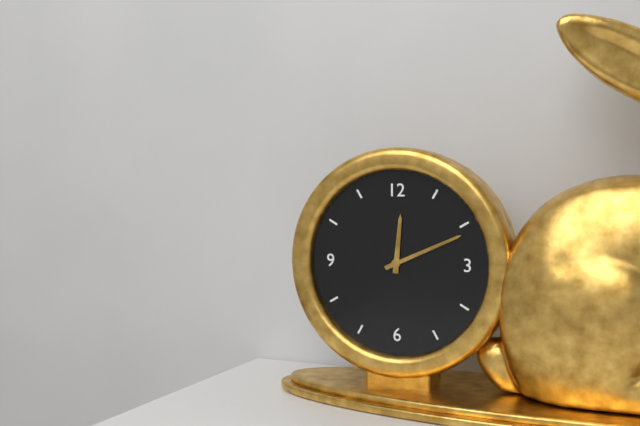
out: 12:11
